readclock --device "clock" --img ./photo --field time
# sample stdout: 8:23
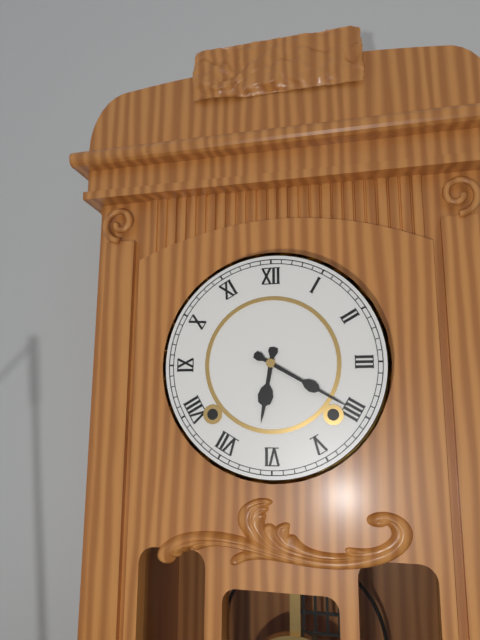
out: 6:20
